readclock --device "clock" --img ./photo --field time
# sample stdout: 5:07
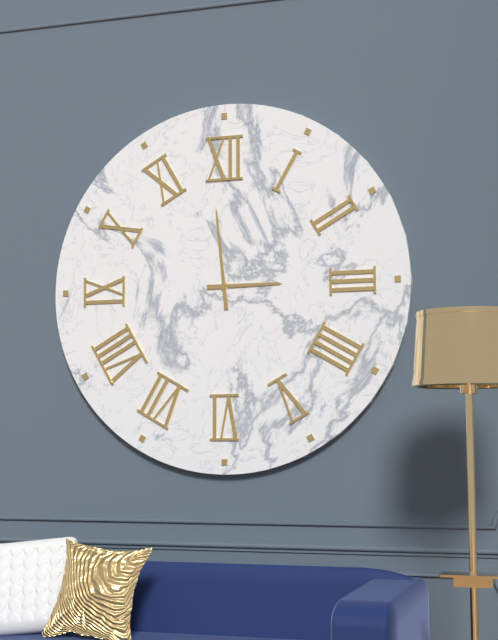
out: 2:59
